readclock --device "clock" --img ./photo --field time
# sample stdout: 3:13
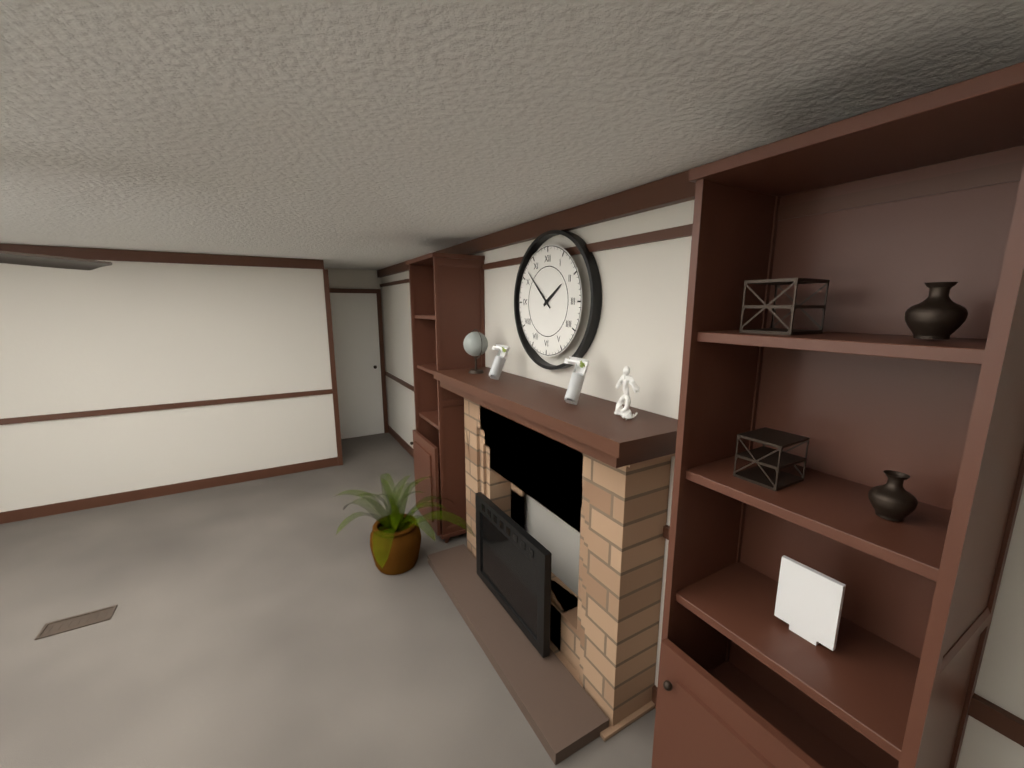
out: 1:52
